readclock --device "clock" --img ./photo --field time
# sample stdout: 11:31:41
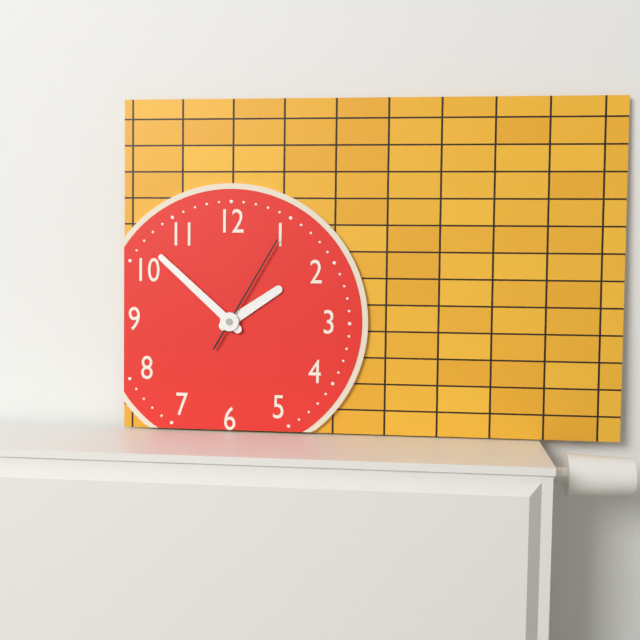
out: 1:52:05
